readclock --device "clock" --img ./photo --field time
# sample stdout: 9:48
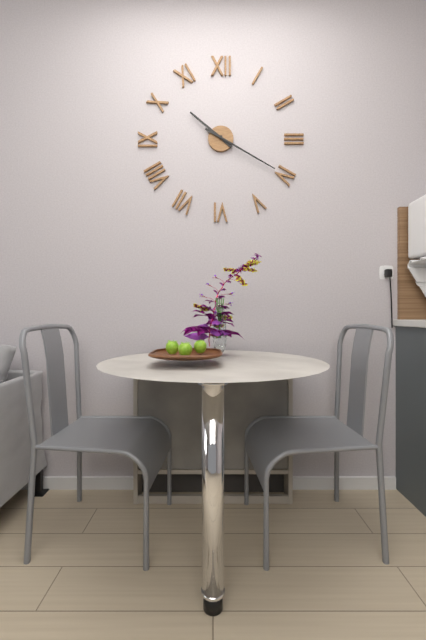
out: 10:20
